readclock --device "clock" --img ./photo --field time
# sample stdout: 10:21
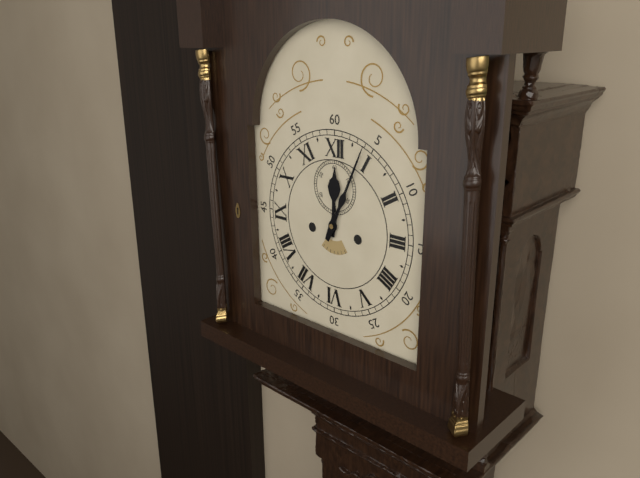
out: 12:04
